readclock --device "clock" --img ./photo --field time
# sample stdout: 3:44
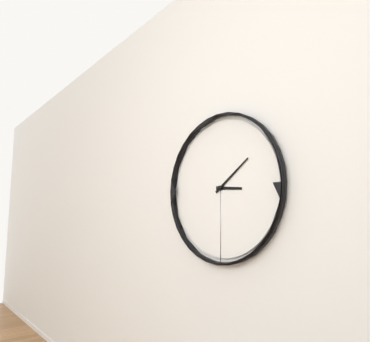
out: 3:09
